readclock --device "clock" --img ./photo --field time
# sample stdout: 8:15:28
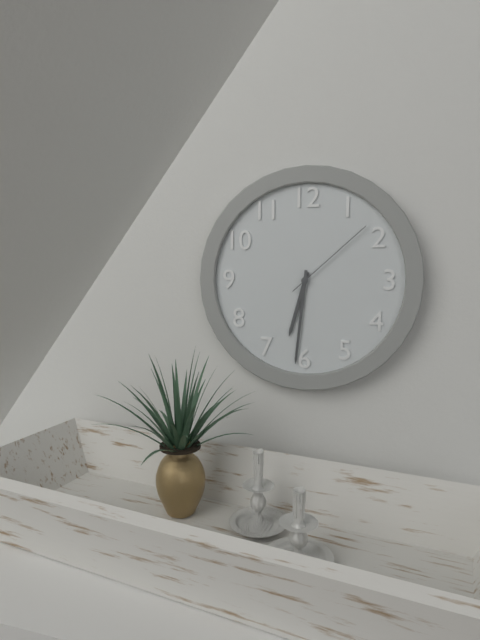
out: 6:31:08
